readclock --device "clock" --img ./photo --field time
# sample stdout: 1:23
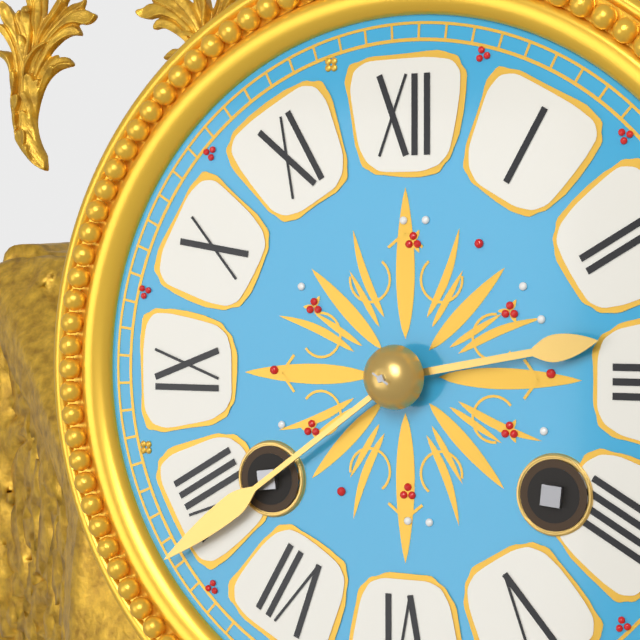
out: 2:39
